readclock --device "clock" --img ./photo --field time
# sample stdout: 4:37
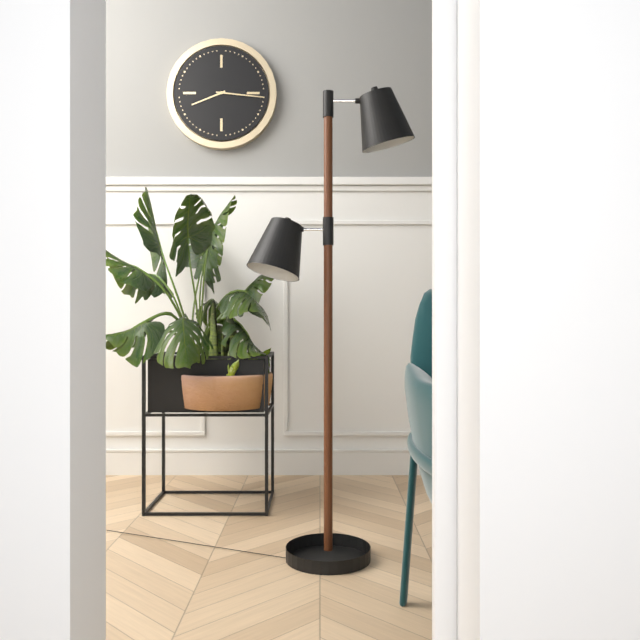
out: 8:16
